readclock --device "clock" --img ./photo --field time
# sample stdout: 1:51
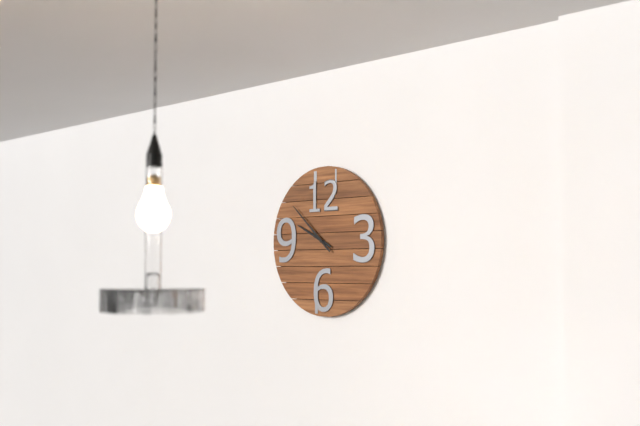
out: 9:52
